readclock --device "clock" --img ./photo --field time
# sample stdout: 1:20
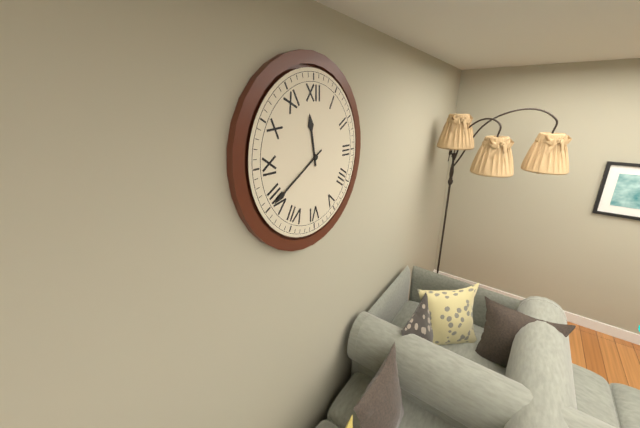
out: 11:40
